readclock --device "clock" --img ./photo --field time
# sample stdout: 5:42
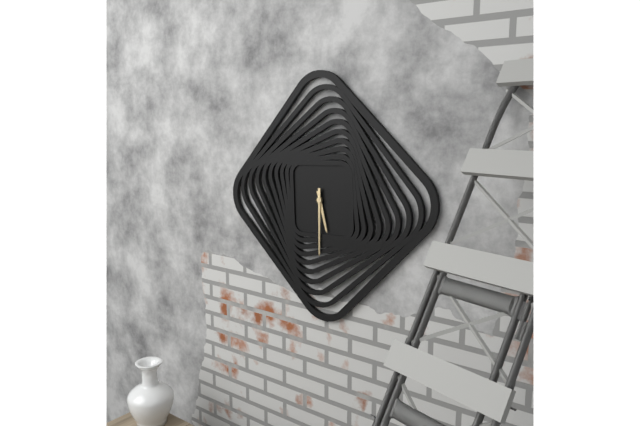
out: 5:30
